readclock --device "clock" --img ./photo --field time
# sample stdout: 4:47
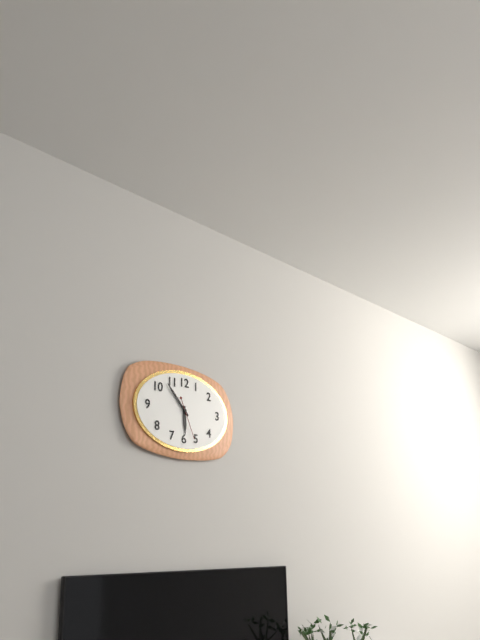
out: 5:53
